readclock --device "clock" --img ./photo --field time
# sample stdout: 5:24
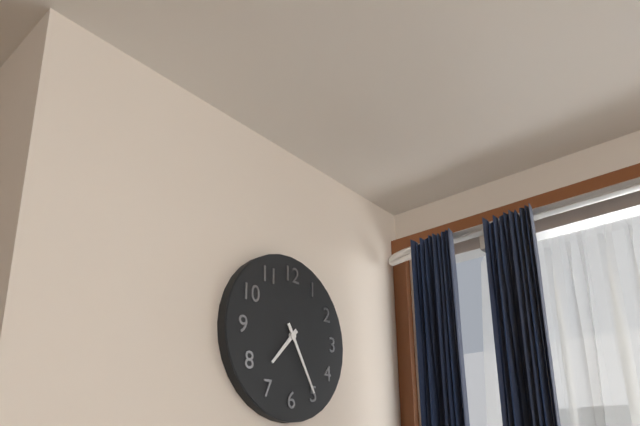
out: 7:25
